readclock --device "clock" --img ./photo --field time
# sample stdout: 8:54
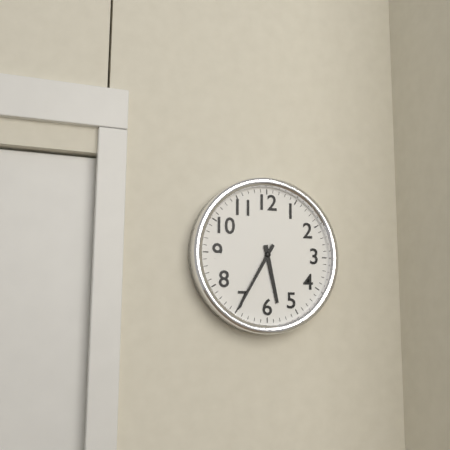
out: 5:35
